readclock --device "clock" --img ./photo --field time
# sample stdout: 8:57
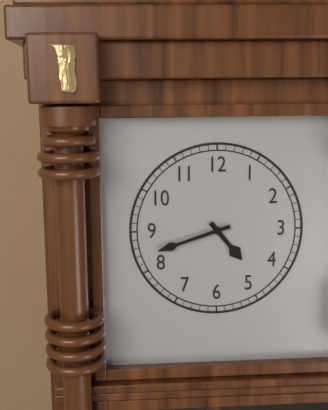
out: 4:42
